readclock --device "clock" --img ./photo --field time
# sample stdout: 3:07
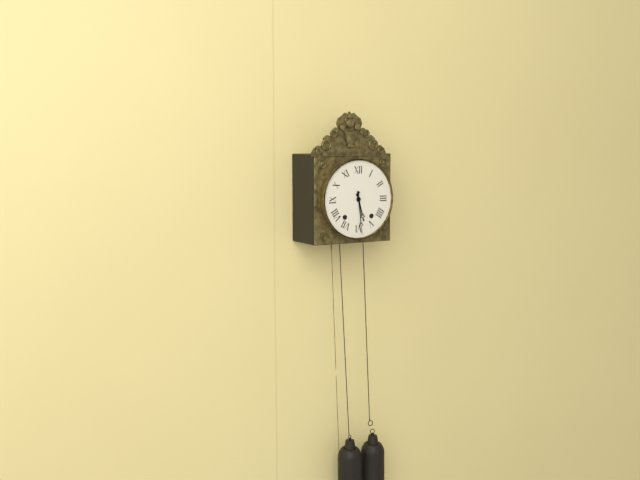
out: 5:29
